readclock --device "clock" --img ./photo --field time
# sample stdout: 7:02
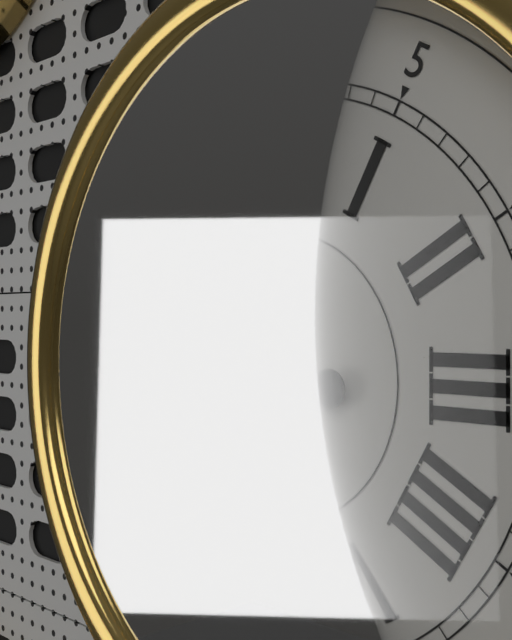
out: 5:46
